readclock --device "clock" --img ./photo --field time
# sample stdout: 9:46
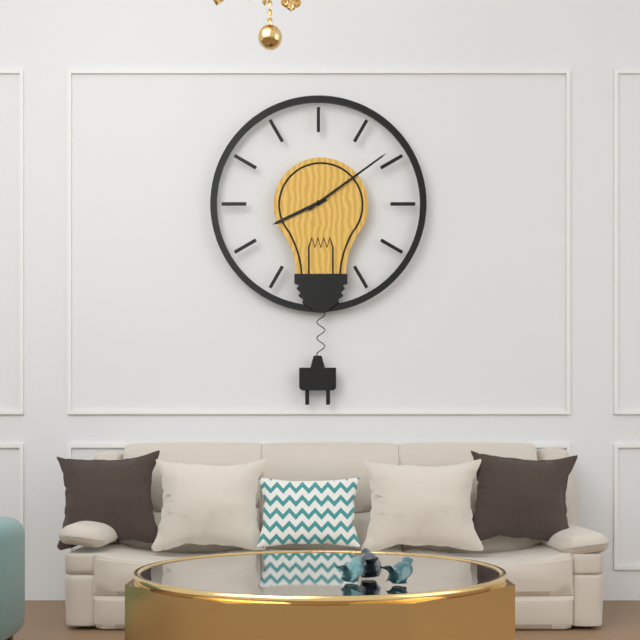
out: 8:09
